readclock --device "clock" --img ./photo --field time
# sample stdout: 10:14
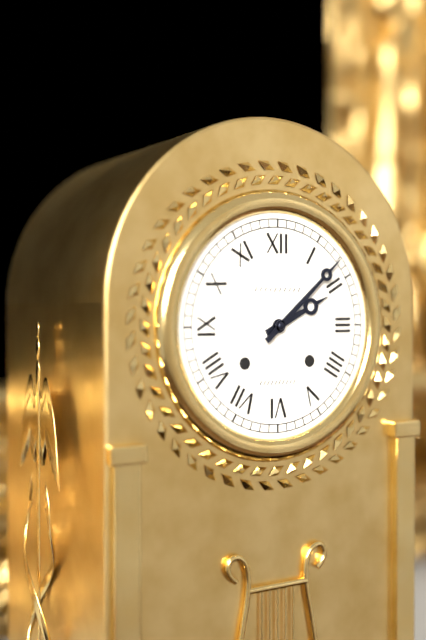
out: 2:08
